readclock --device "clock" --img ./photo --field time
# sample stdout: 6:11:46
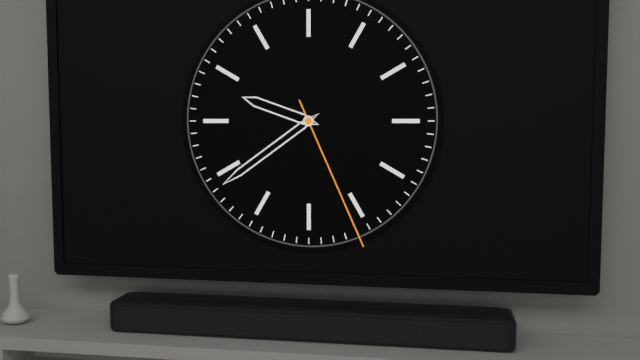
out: 9:39:26
